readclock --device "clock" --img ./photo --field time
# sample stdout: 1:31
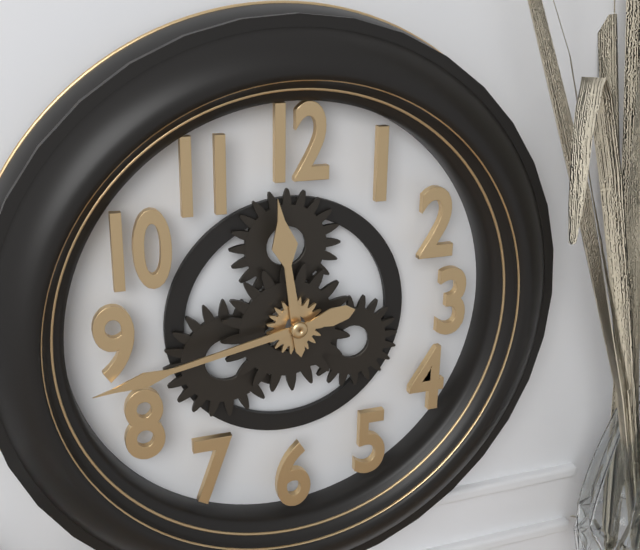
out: 11:43
